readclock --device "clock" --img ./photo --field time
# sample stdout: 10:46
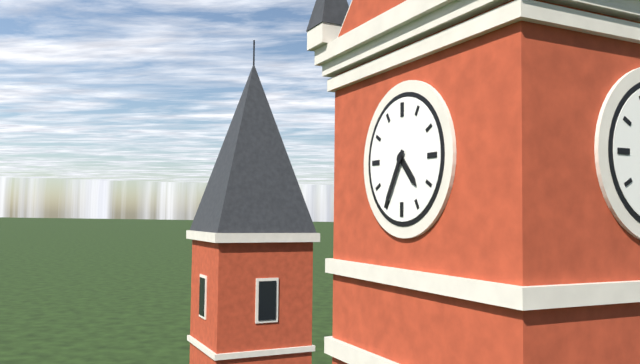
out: 4:35
